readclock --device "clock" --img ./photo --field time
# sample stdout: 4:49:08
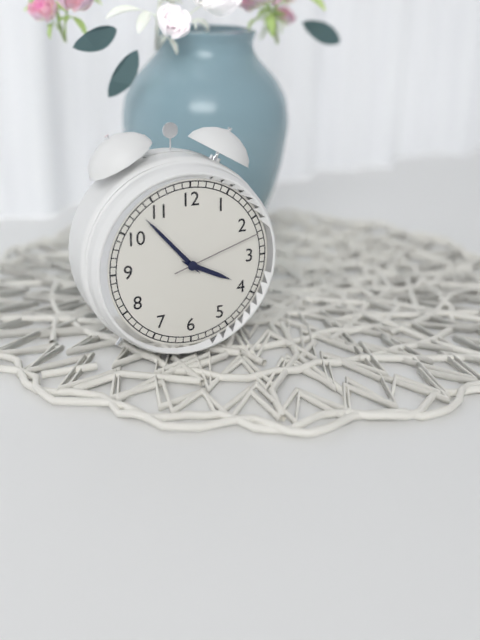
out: 3:53:12
